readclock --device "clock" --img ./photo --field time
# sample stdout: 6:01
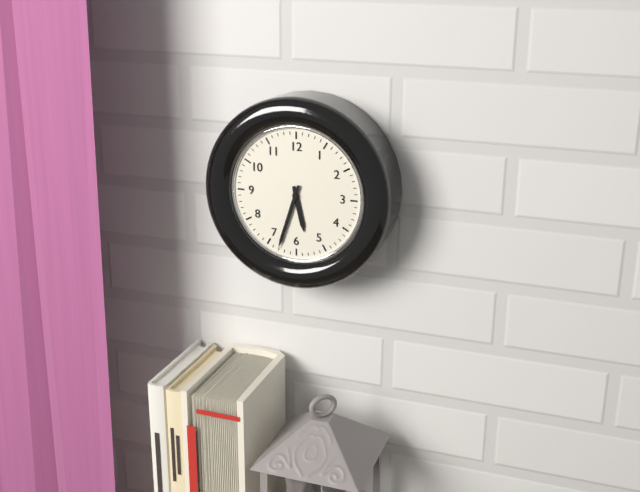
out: 5:33
